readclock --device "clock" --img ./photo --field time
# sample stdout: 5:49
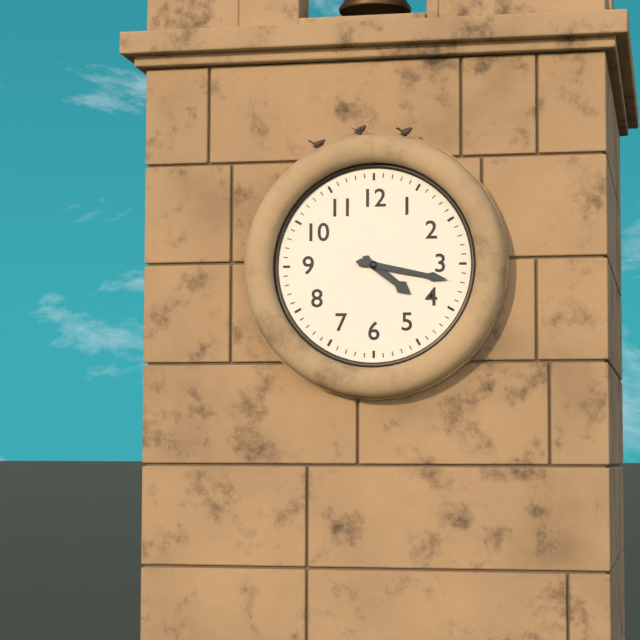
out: 4:17
